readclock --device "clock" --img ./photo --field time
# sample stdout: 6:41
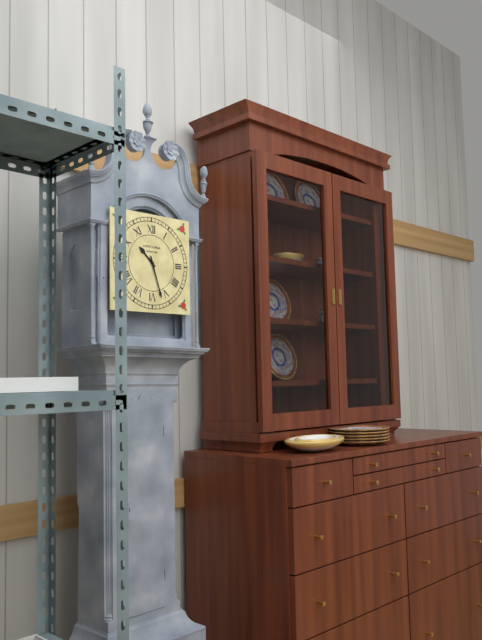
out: 10:27
